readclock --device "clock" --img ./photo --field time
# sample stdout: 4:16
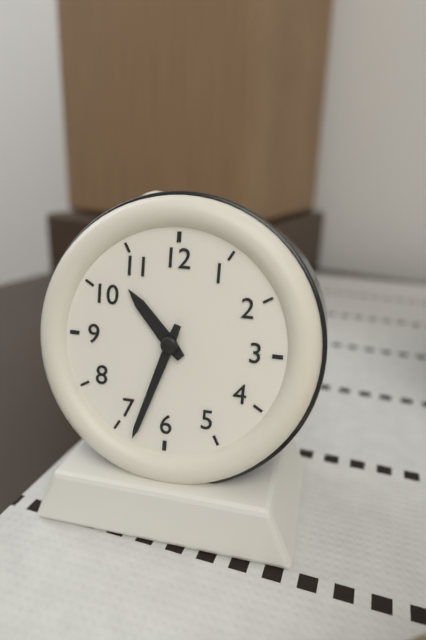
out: 10:33
